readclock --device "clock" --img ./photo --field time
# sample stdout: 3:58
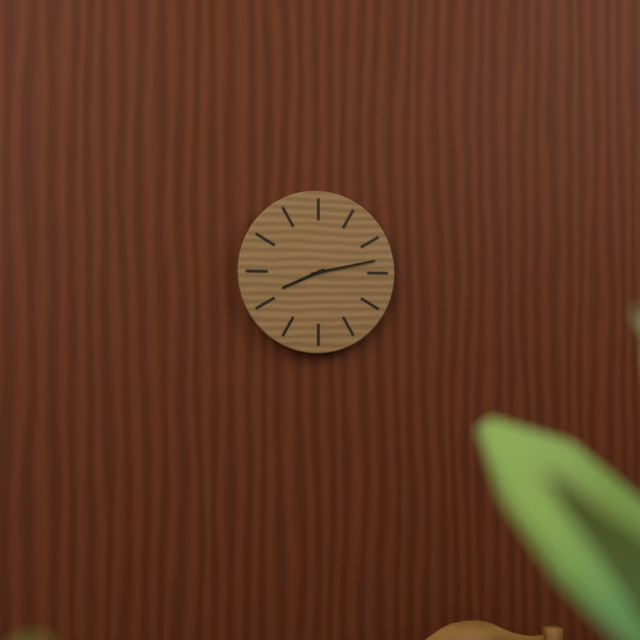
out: 8:13
